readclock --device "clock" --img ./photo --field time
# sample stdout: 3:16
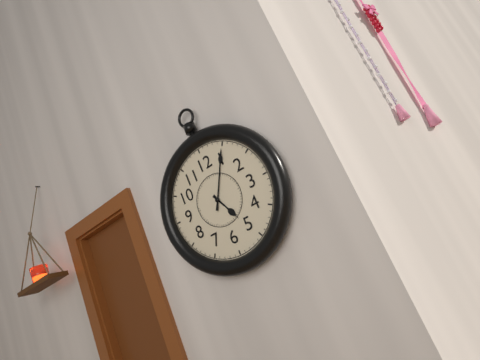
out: 5:05
